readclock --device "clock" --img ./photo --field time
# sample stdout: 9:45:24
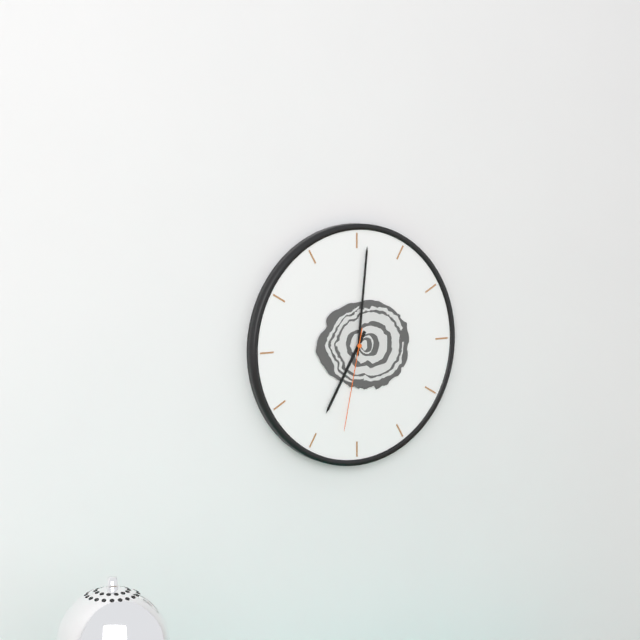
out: 7:01:32
